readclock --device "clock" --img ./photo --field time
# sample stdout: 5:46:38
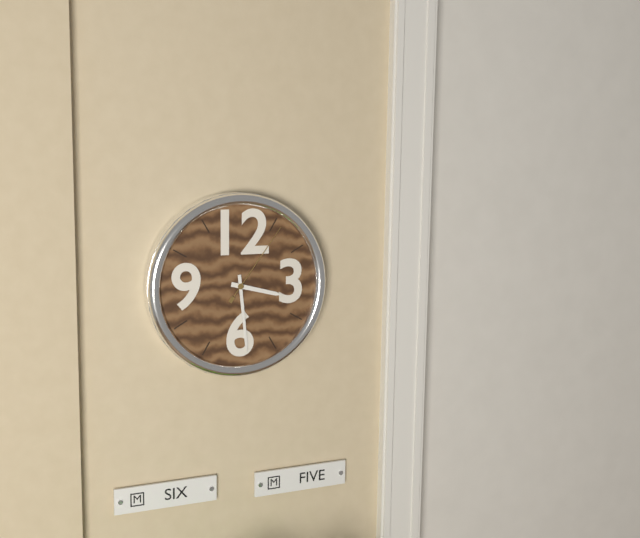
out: 3:29:06
